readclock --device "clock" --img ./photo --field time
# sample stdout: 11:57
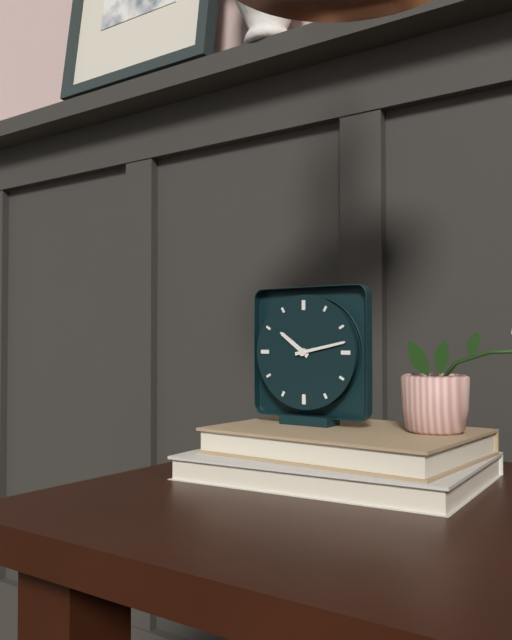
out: 10:13
